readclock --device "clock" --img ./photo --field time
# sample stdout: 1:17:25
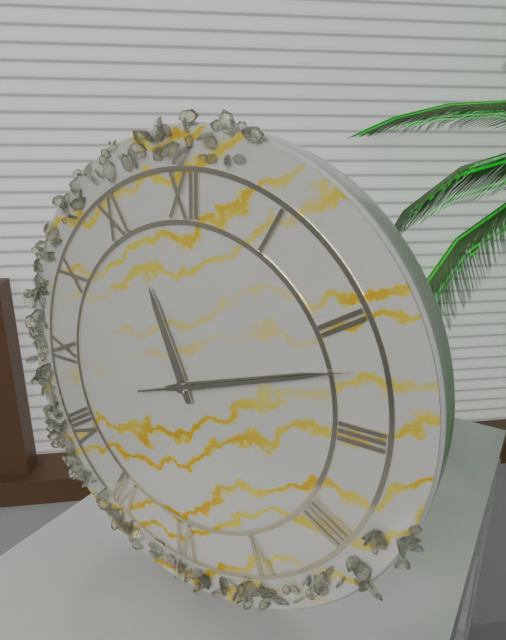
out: 11:12:12
